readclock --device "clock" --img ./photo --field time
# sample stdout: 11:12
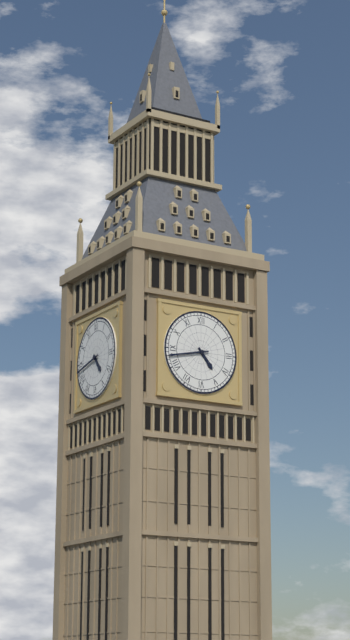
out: 4:43
